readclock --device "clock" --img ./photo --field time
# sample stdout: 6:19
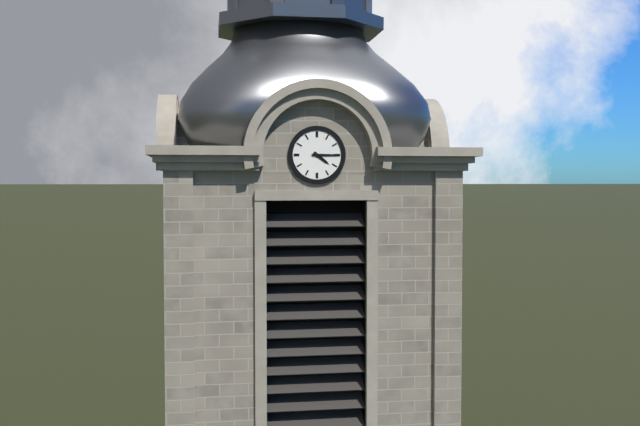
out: 4:15
